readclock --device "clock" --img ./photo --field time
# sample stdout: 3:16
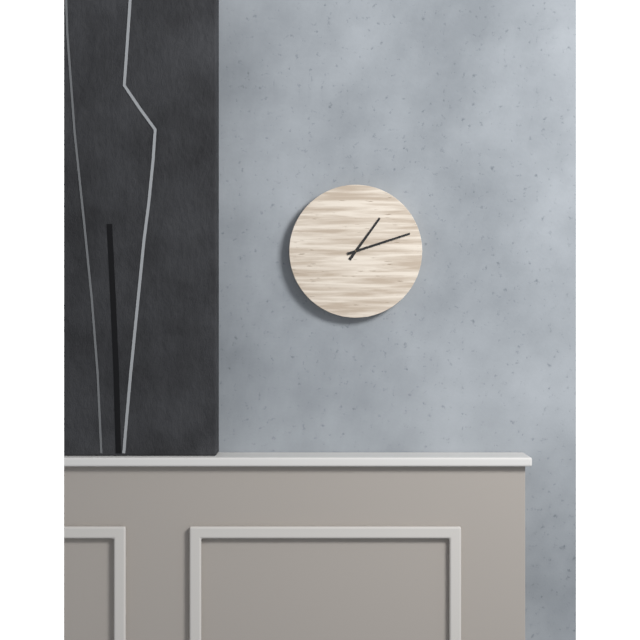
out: 1:12
